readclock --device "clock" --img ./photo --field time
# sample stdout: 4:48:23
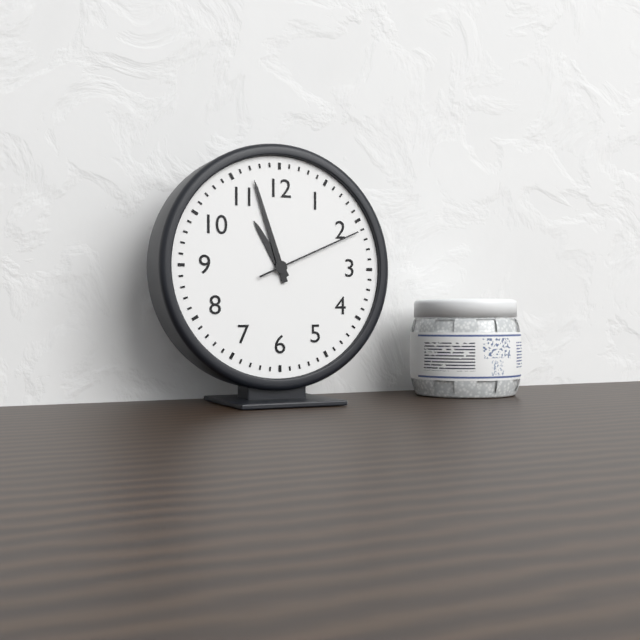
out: 10:57:11
